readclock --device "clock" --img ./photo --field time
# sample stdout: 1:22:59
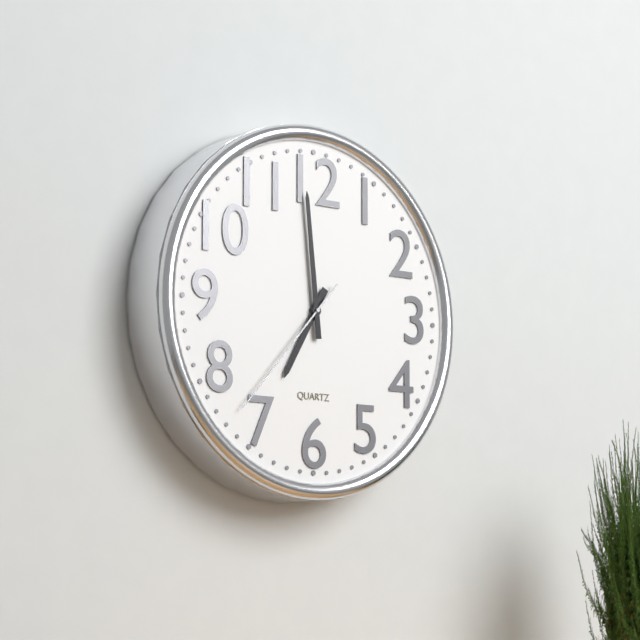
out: 6:59:37
